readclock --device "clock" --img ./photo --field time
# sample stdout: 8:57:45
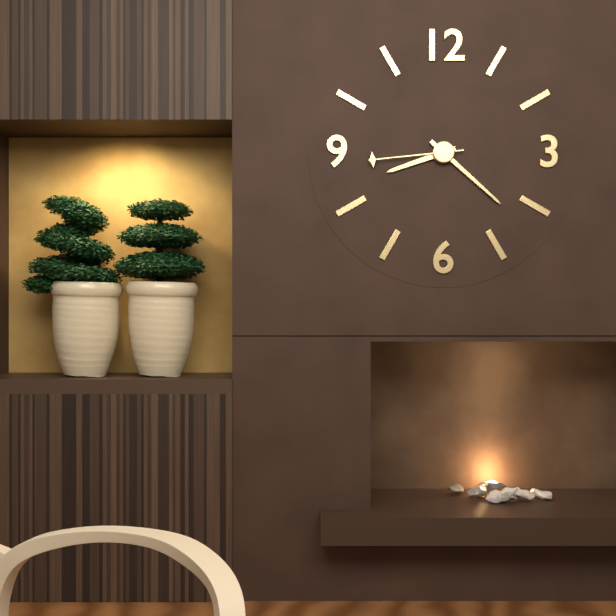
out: 8:22:44
